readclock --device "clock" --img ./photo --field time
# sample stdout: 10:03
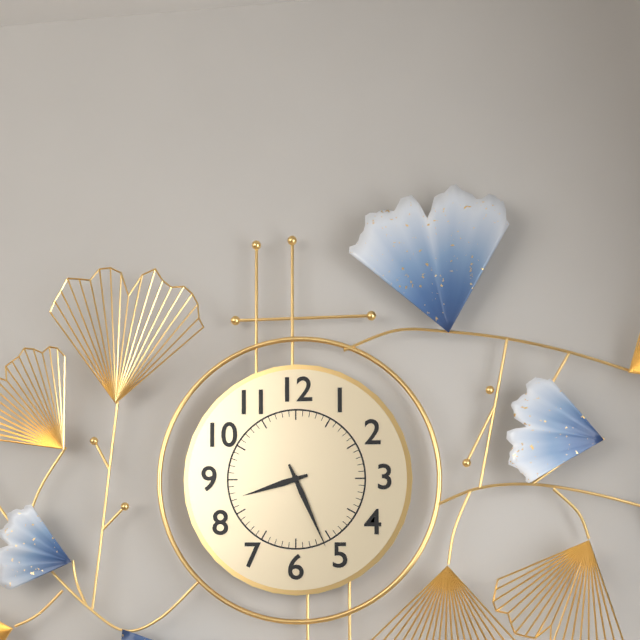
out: 8:26
